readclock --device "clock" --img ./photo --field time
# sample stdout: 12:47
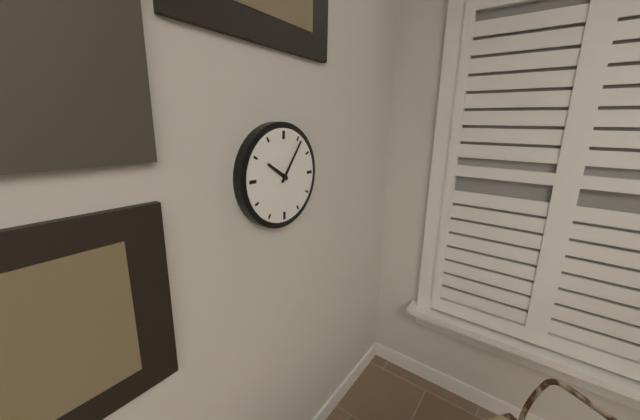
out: 10:06
